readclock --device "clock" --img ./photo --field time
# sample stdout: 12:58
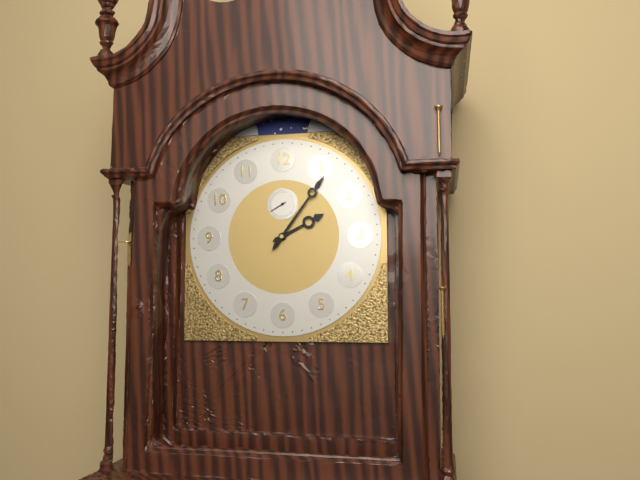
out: 2:06
